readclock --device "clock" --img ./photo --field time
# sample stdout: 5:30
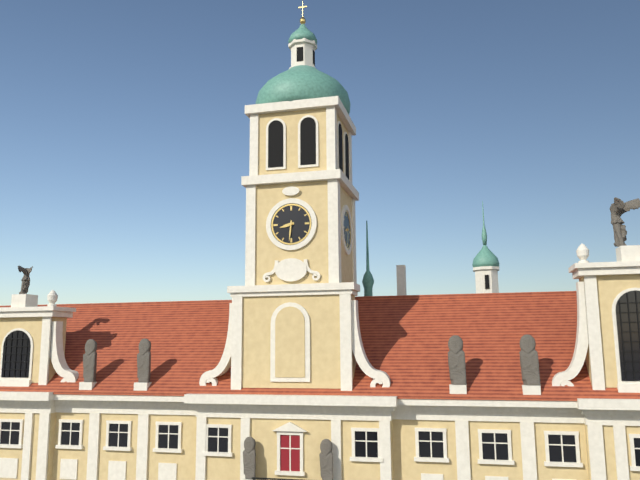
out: 8:31
